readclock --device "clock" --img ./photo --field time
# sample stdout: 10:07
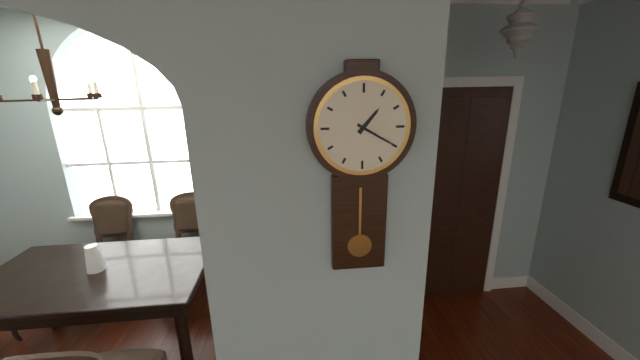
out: 1:20
